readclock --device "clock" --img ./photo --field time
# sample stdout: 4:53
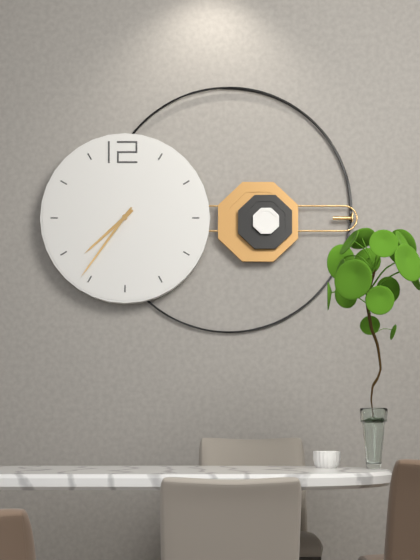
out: 7:36
